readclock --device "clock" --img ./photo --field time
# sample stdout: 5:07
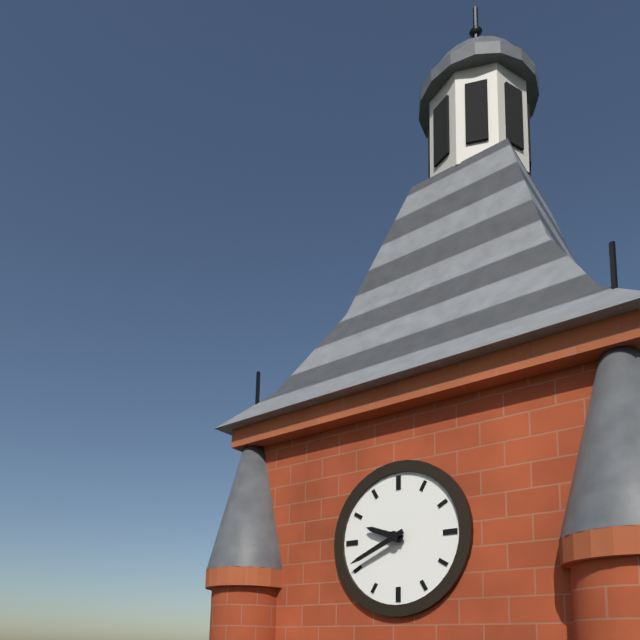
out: 9:41
